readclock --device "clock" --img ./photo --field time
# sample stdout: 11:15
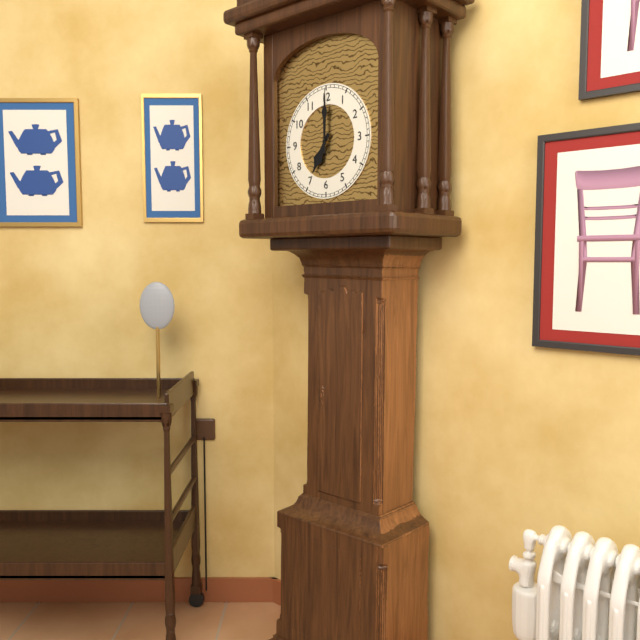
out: 7:00
